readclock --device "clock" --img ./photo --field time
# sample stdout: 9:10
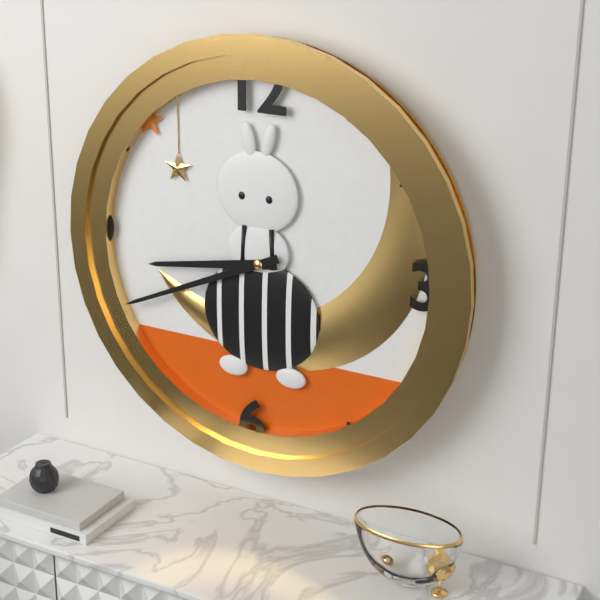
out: 8:41
